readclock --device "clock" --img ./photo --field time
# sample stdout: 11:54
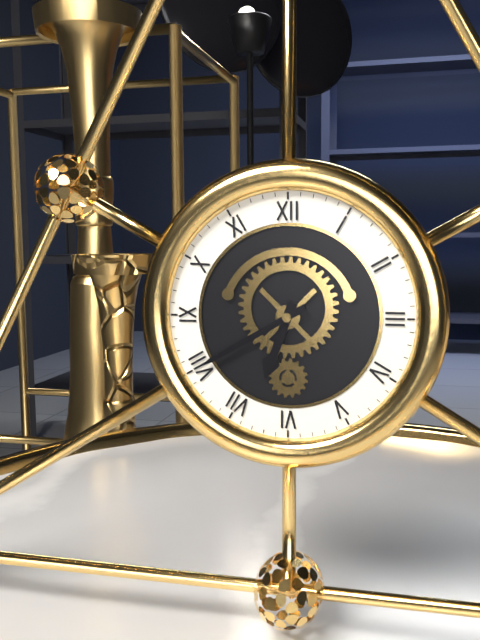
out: 6:40
